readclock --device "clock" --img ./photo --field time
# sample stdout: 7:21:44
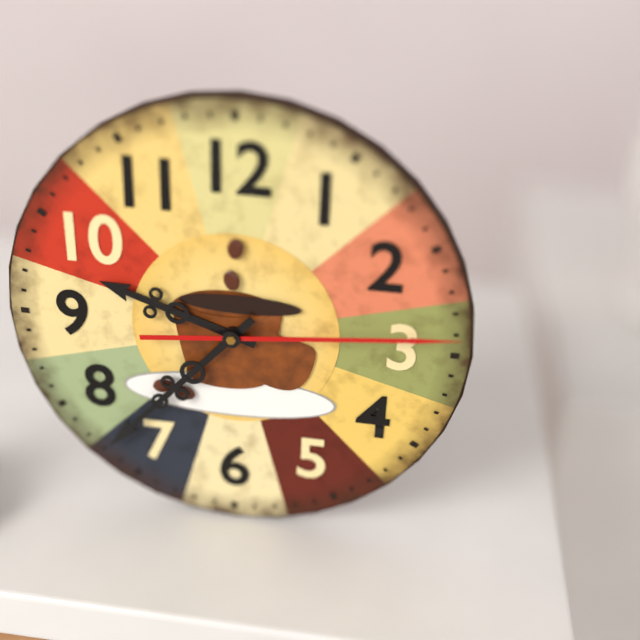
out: 9:37:14
